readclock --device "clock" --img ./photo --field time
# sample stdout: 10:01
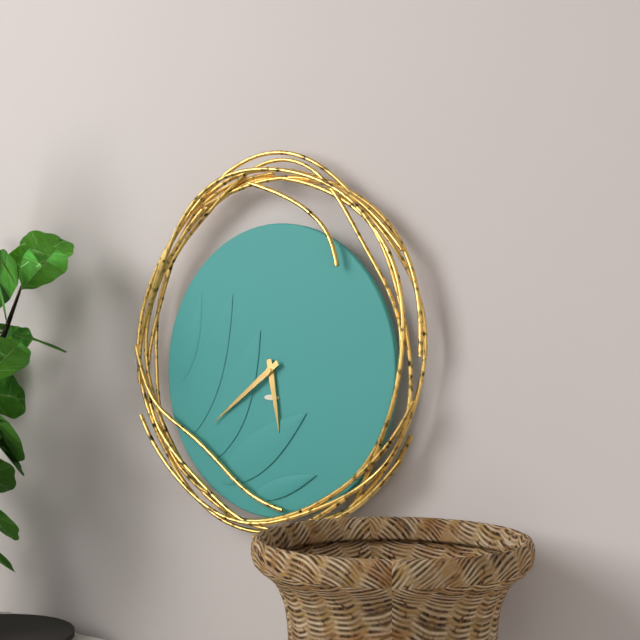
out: 5:39
